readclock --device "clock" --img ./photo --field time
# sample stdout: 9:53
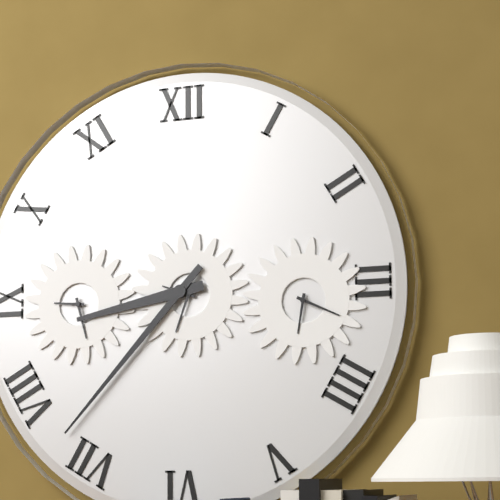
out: 8:37
